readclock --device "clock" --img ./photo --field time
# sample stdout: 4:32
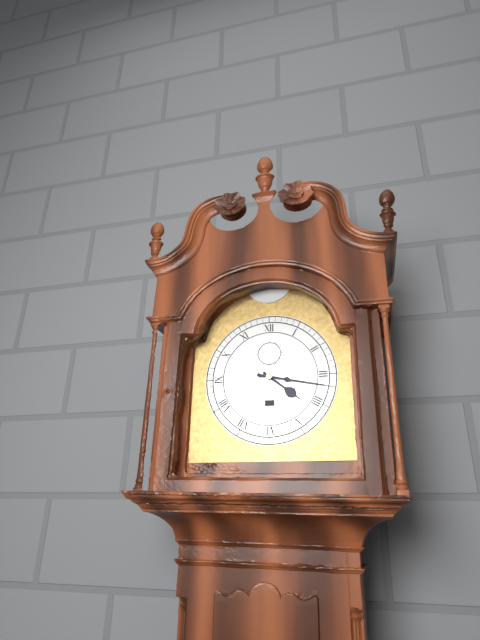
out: 4:17
